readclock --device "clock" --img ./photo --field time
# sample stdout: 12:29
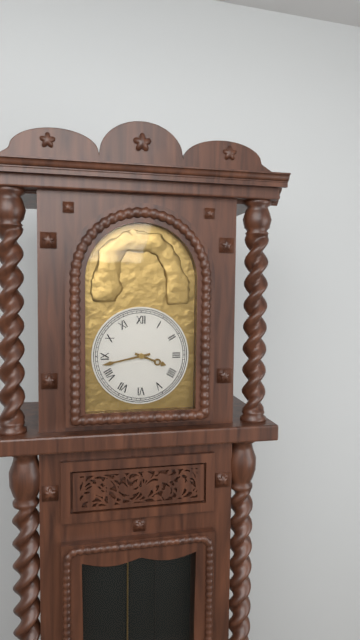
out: 3:43
